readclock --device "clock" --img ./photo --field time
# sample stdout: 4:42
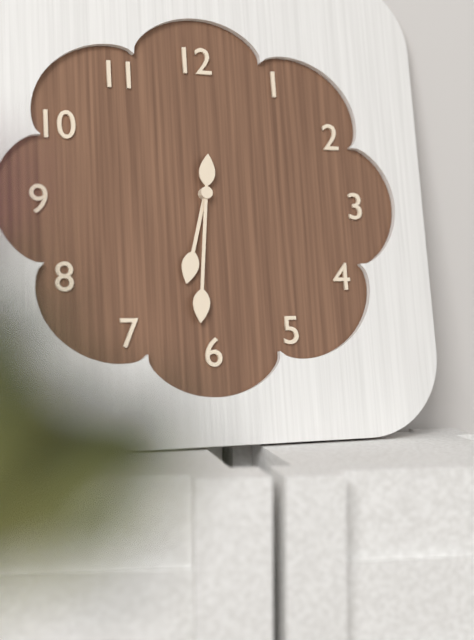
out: 6:31
